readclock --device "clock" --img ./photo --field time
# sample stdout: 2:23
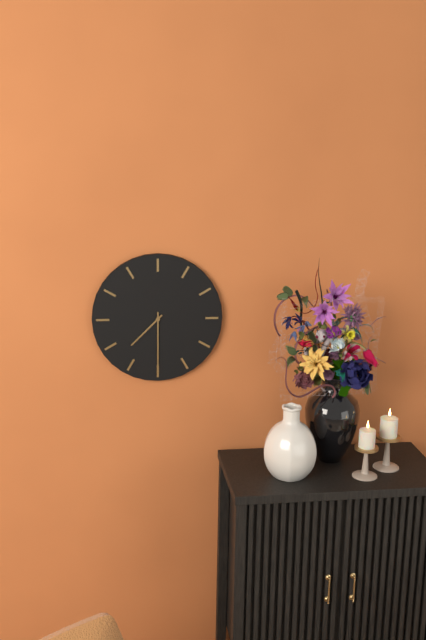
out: 7:30
